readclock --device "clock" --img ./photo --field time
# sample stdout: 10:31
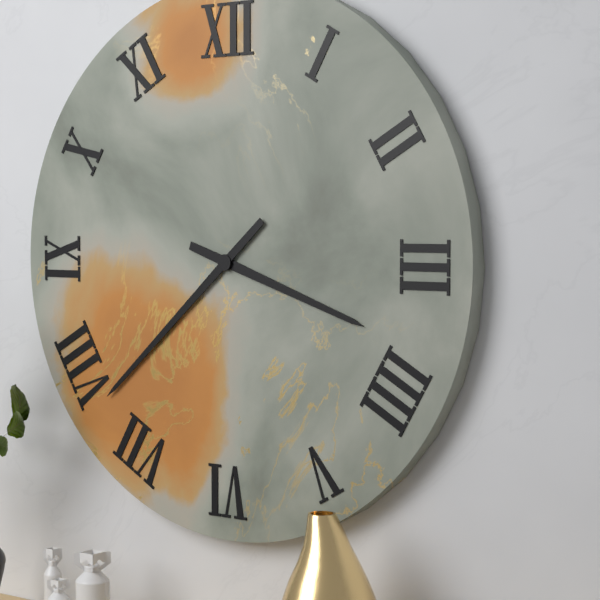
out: 3:38
